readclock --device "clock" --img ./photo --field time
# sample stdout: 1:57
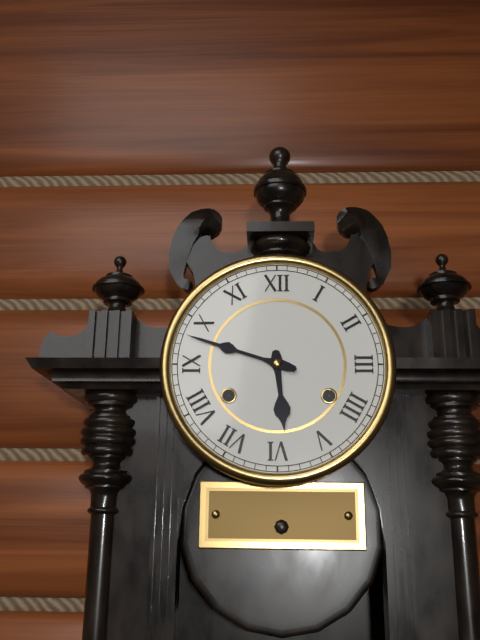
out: 5:48
